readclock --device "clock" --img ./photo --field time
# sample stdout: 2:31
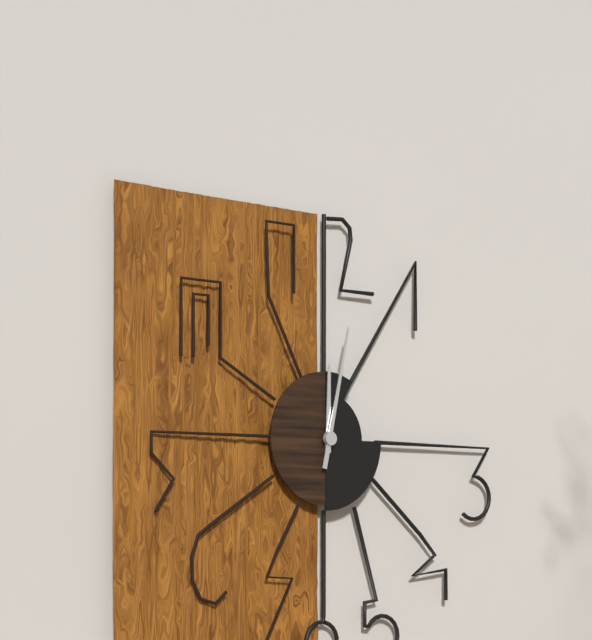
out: 12:02
